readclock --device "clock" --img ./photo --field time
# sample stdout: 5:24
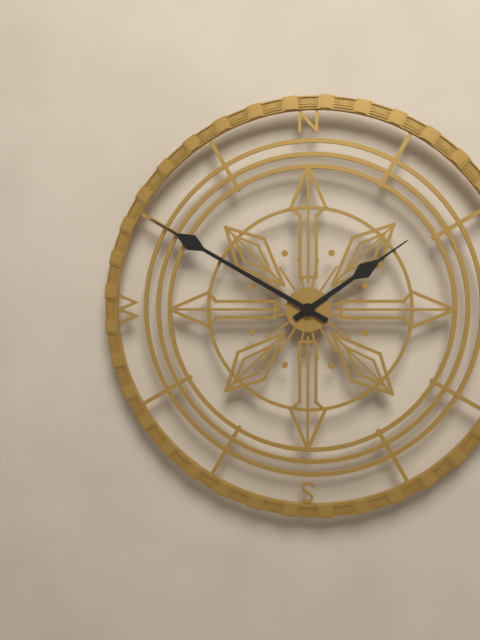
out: 1:50
